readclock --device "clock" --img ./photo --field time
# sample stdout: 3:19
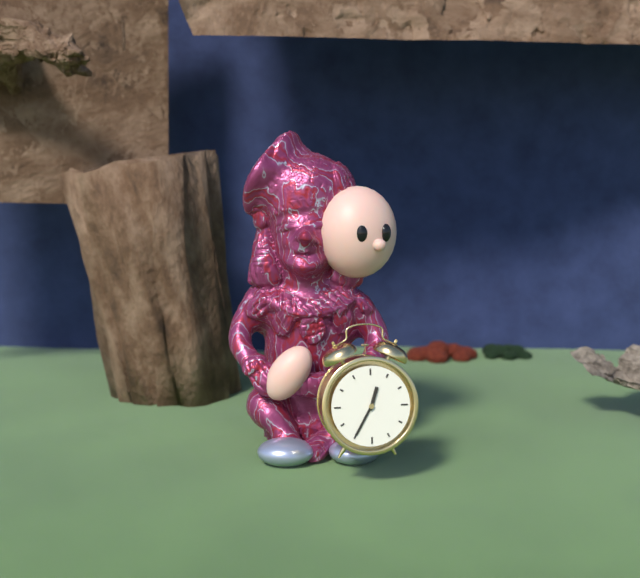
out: 12:35
